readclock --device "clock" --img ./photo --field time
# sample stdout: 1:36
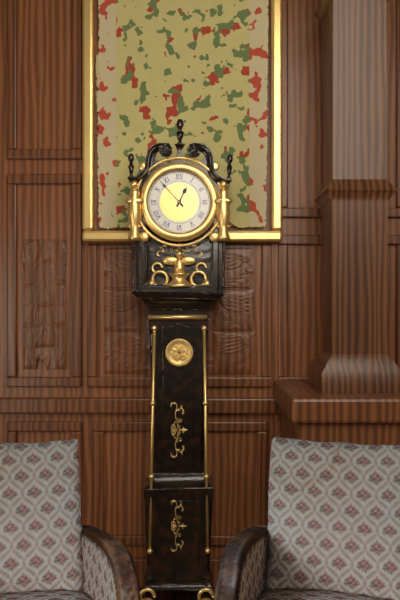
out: 12:53
